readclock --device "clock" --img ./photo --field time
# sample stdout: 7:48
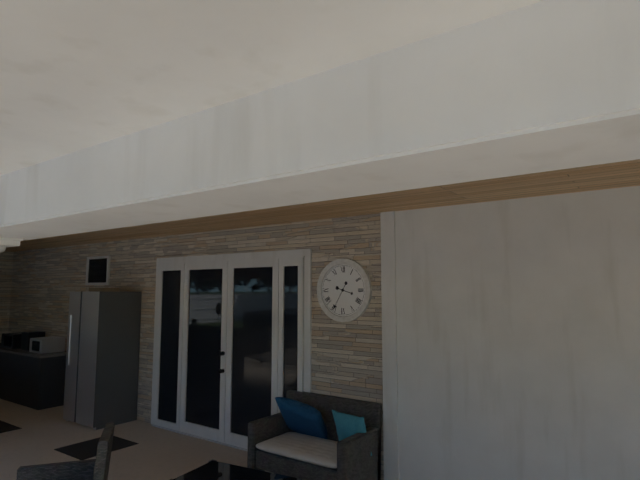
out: 3:35
